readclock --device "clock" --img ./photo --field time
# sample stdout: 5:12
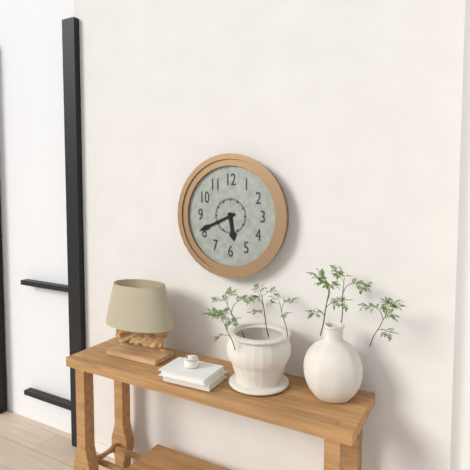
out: 5:41
